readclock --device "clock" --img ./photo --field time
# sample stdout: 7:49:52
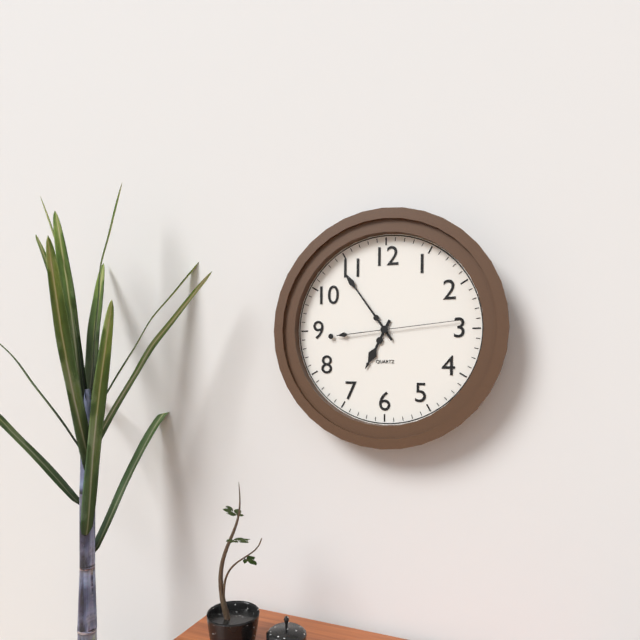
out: 6:54:14
